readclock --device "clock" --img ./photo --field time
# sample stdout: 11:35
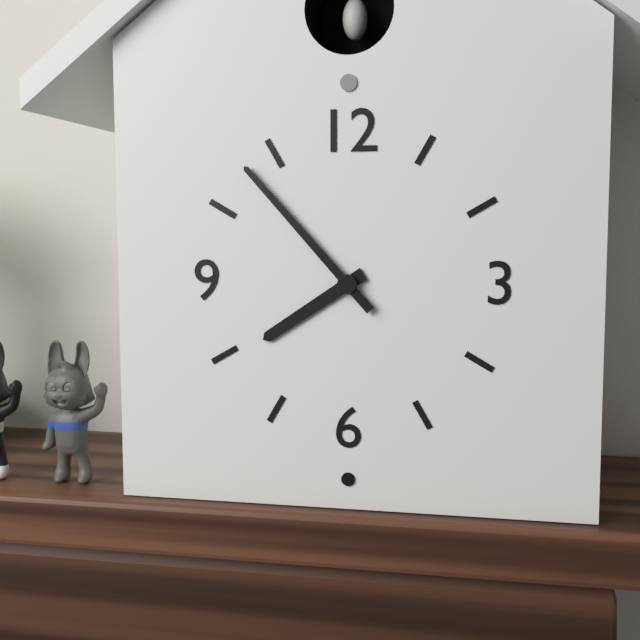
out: 7:53
